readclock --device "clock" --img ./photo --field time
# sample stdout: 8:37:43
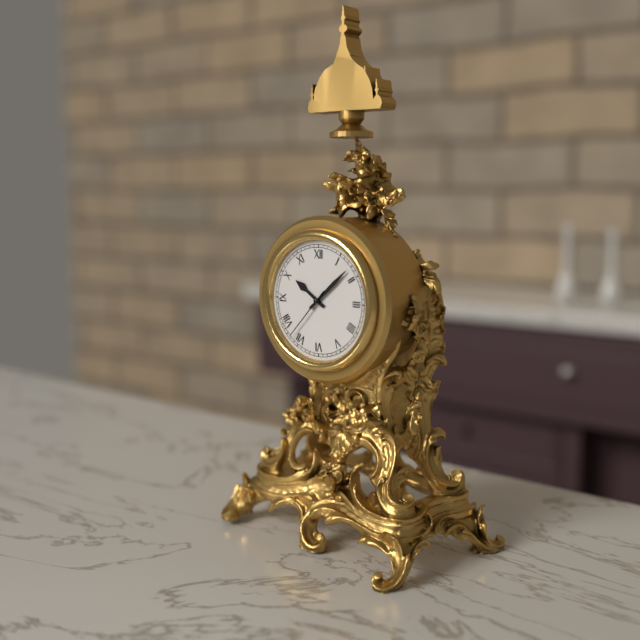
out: 10:08:37
